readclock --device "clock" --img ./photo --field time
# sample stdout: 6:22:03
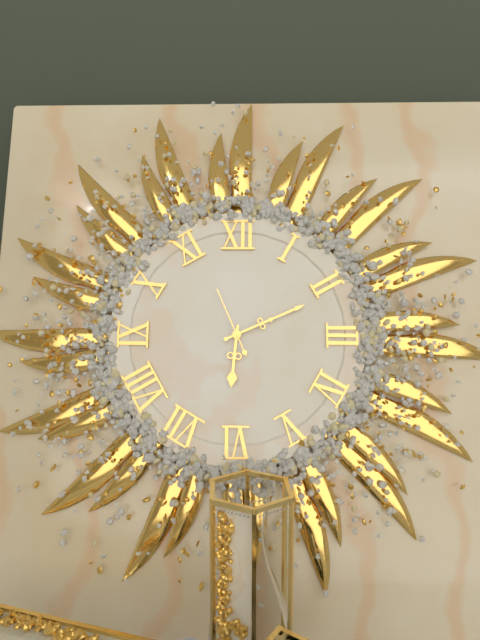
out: 6:11:56
